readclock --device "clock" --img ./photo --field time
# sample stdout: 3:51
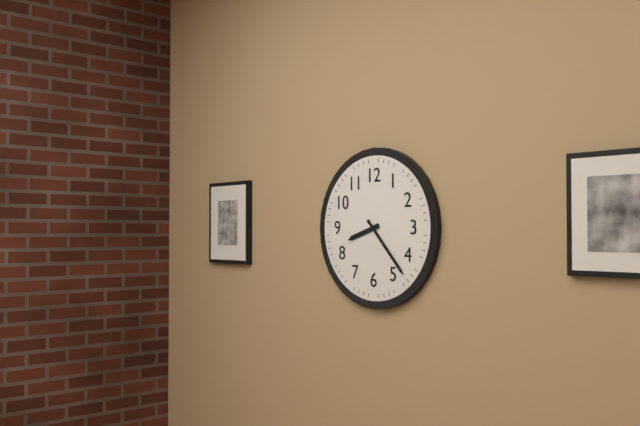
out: 8:23
